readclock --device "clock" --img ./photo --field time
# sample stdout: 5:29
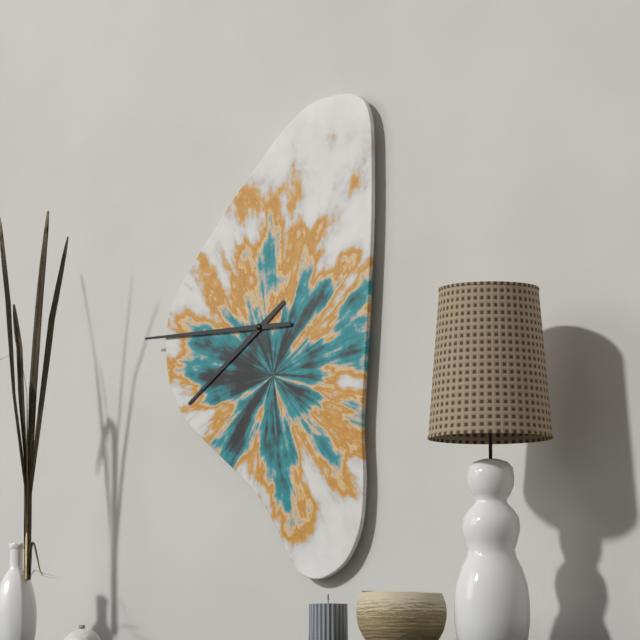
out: 7:45
